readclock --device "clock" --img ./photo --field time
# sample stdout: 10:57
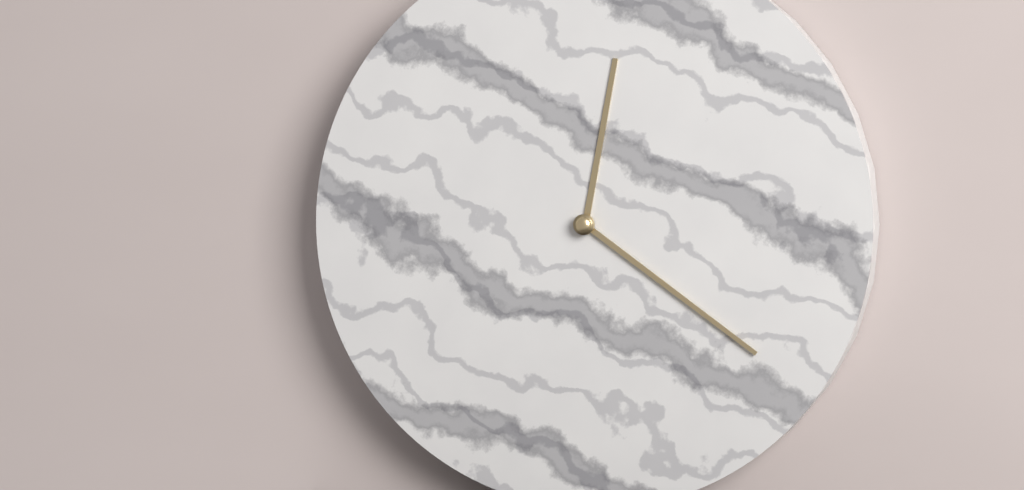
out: 12:21
